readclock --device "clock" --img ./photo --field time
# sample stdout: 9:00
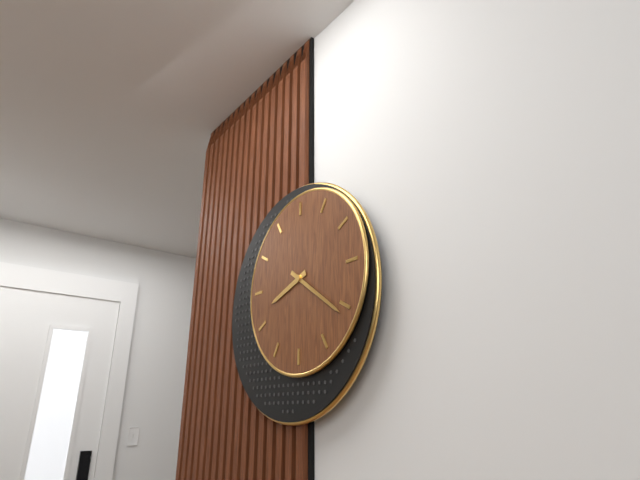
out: 8:21
